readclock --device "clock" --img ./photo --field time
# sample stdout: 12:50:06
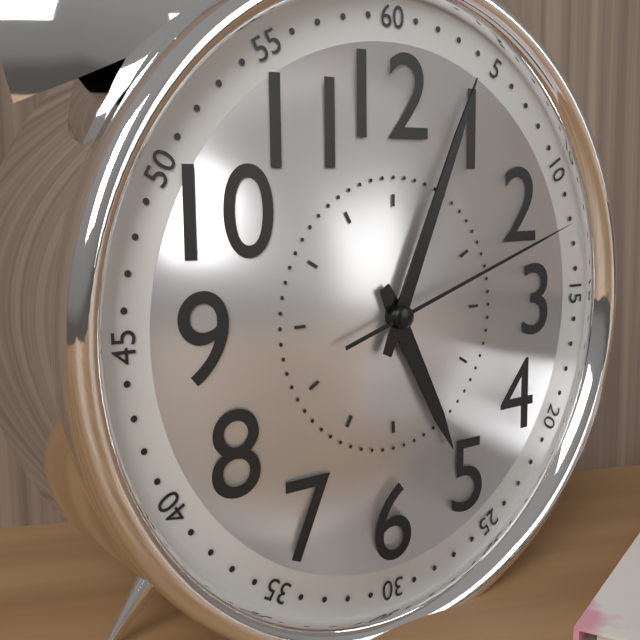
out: 5:04:12
